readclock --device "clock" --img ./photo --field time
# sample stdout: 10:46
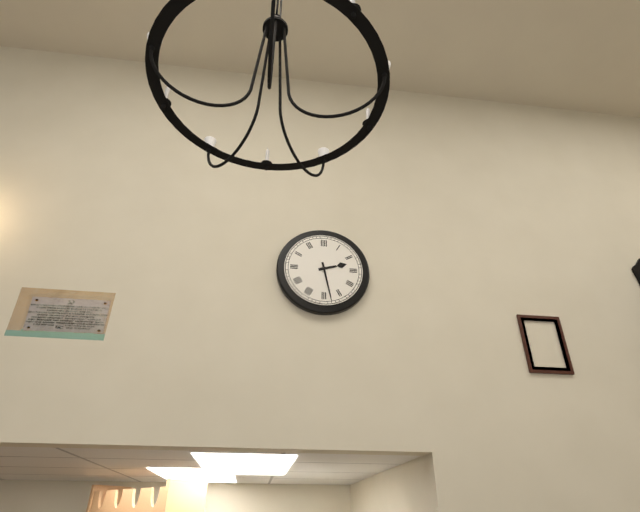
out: 2:28
